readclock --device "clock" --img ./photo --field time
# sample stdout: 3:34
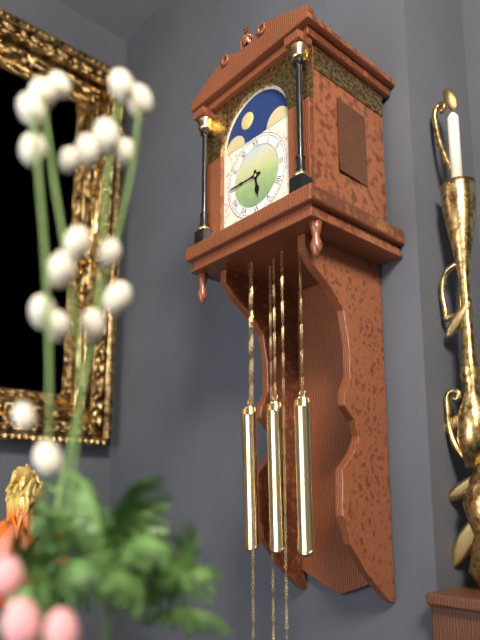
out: 5:45
